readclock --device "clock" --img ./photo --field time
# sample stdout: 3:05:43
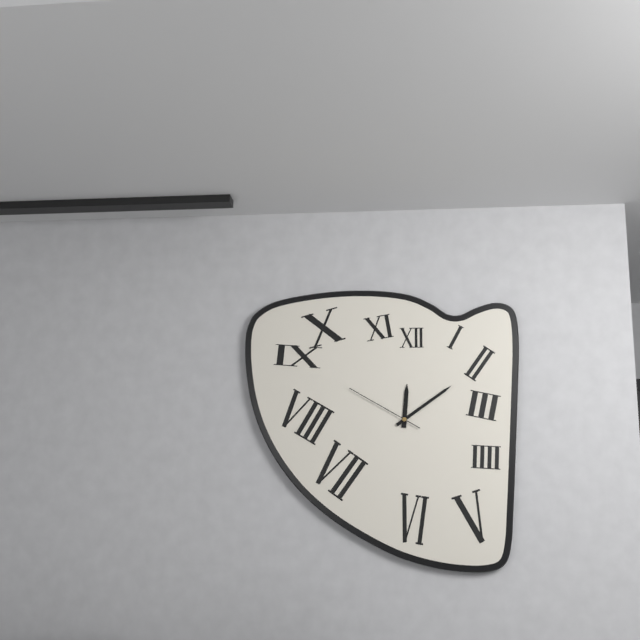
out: 12:09:50
